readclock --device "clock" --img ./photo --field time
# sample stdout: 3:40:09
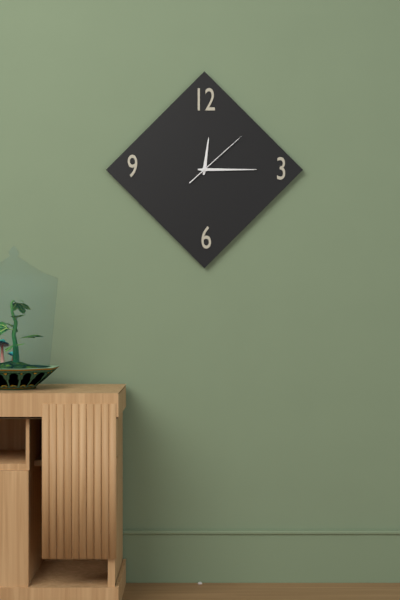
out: 12:15:08
